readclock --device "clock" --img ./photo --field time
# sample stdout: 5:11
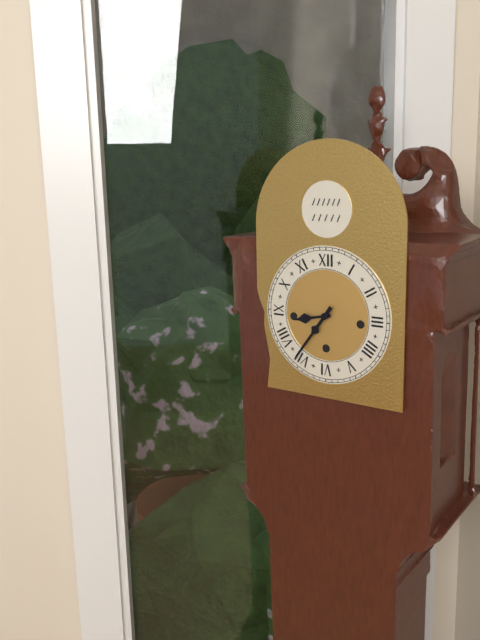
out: 8:36
